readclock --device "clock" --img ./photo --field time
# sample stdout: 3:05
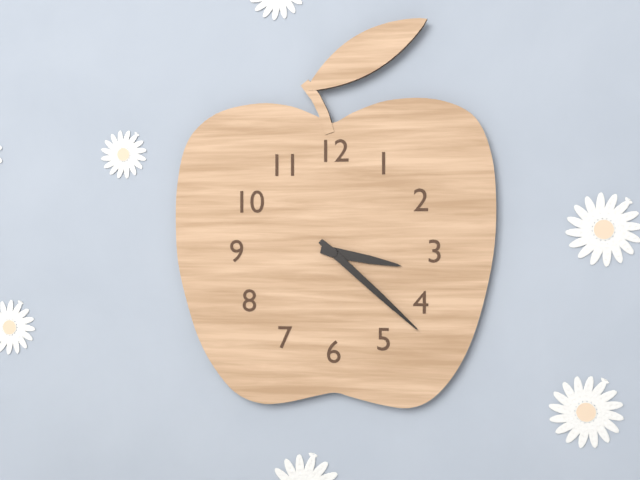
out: 3:22
